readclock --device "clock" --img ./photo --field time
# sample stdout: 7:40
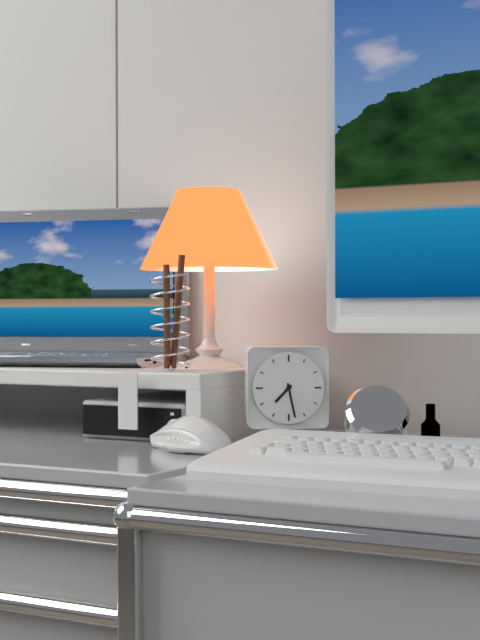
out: 7:28
